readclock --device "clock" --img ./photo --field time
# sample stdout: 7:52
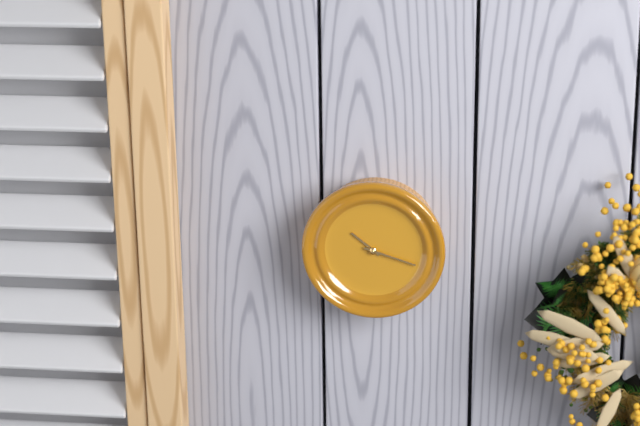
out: 10:18
